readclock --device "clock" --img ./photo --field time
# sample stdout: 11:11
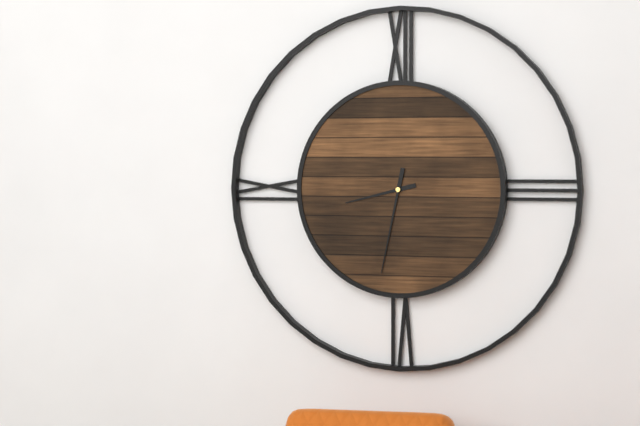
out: 8:32
